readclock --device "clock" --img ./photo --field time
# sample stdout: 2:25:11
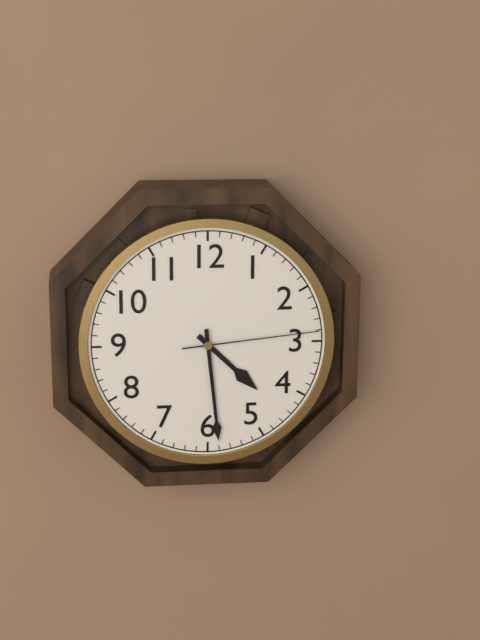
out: 4:29:14
